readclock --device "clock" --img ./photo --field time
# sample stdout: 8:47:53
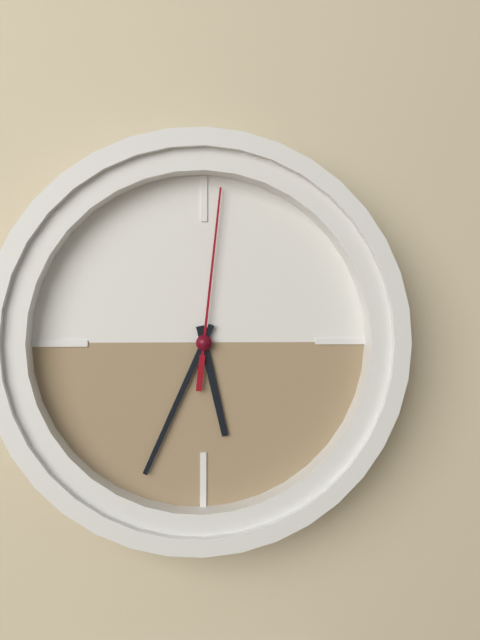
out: 5:34:01
